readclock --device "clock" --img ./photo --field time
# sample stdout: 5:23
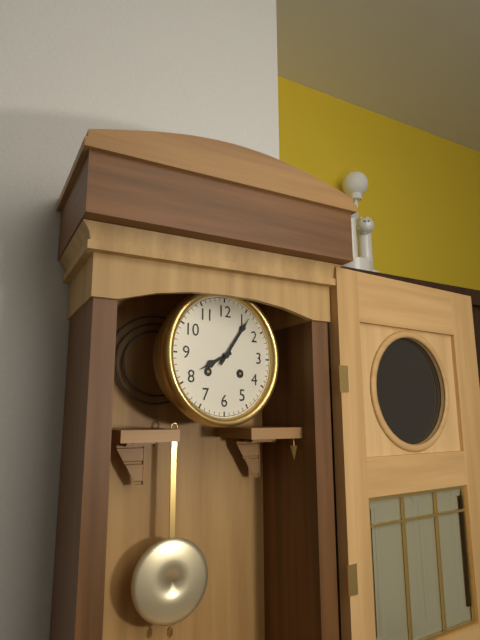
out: 8:06
